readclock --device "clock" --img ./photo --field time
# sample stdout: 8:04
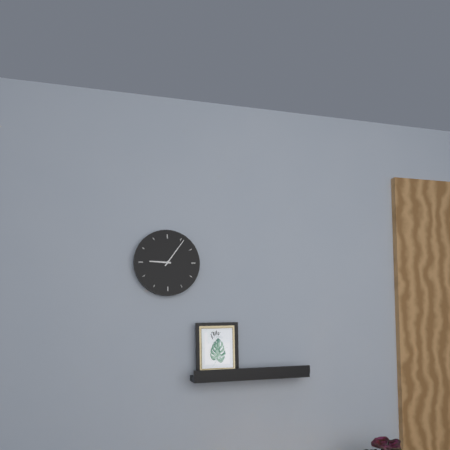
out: 9:06
